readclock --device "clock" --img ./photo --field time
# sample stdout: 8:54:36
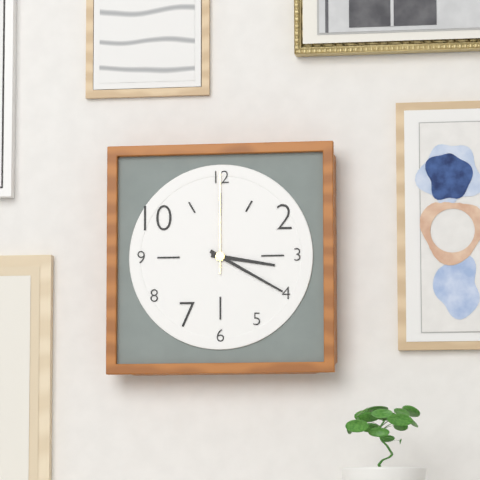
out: 3:20:00
